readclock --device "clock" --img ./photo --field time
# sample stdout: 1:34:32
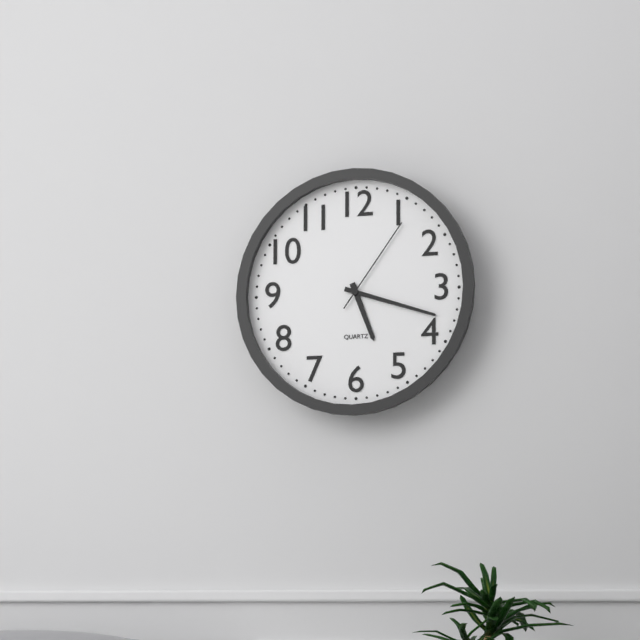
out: 5:18:06
